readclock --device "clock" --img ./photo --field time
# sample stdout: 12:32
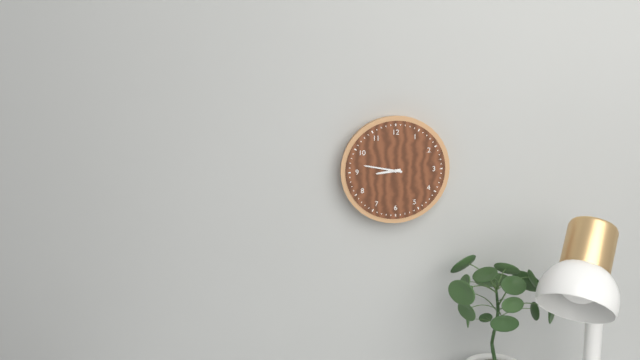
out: 8:47
